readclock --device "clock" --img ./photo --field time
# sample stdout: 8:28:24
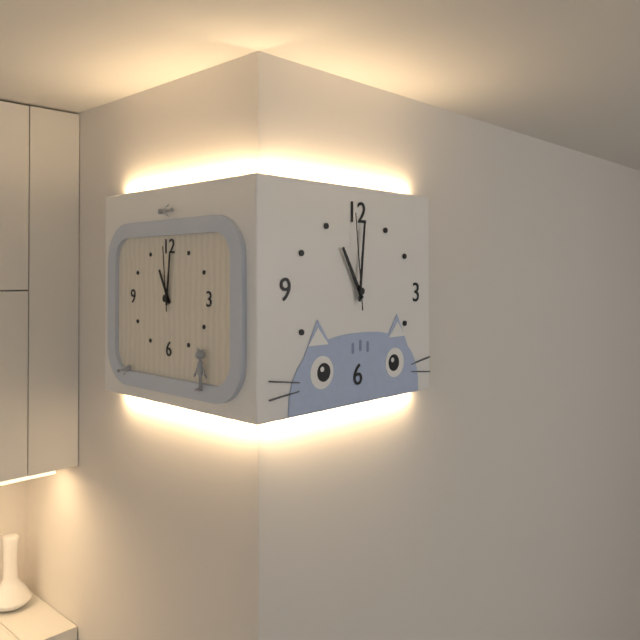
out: 11:01:59
